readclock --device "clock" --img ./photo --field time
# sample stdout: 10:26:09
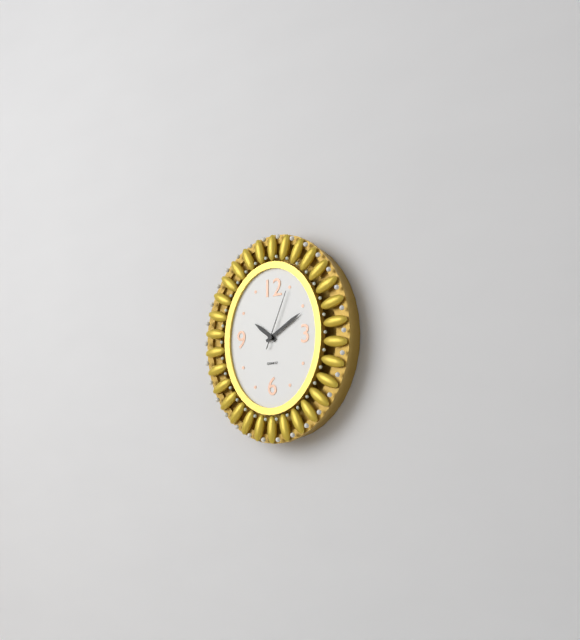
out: 10:10:04
